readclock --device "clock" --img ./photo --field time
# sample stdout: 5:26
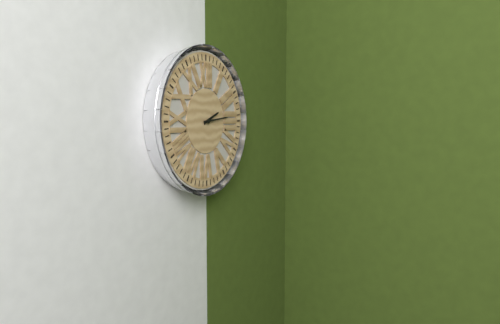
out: 2:14
